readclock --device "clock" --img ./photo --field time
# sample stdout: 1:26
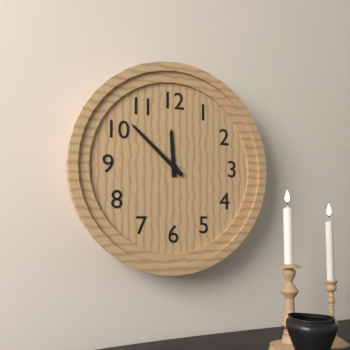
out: 11:52
